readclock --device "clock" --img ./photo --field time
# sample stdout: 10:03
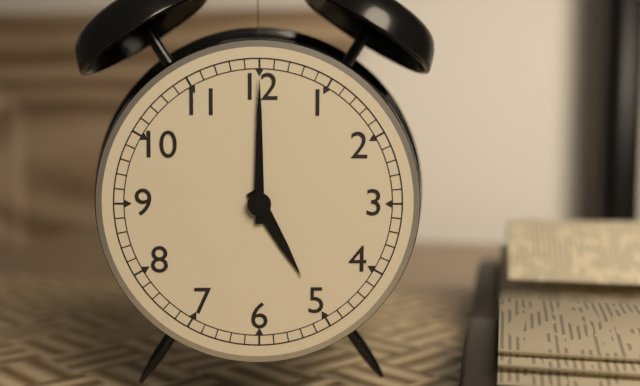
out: 5:00
